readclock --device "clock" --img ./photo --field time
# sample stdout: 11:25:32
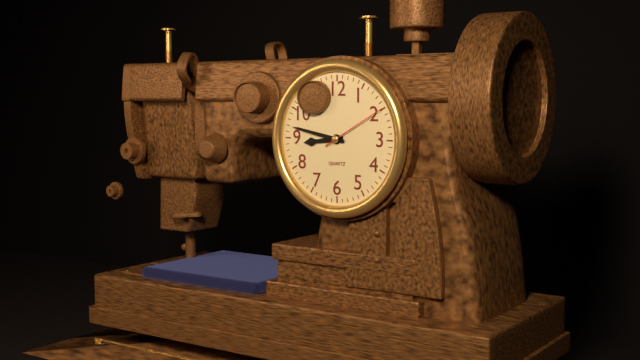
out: 8:47:10
